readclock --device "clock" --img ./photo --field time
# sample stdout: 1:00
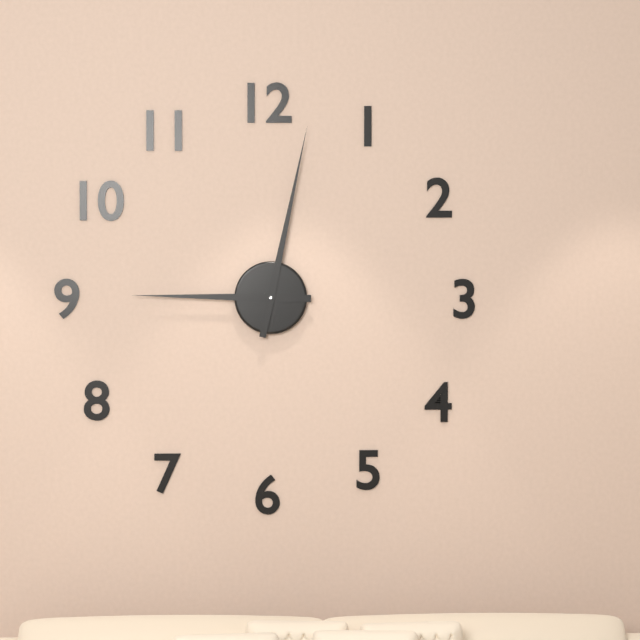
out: 9:02
